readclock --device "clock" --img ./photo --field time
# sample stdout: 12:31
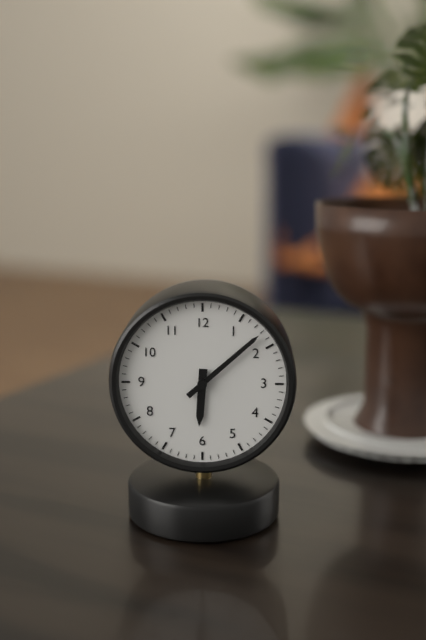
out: 6:08
